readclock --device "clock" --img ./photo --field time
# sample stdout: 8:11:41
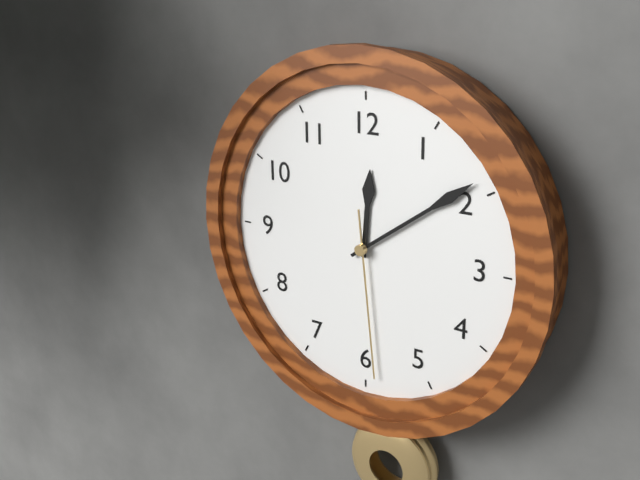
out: 12:09:29
